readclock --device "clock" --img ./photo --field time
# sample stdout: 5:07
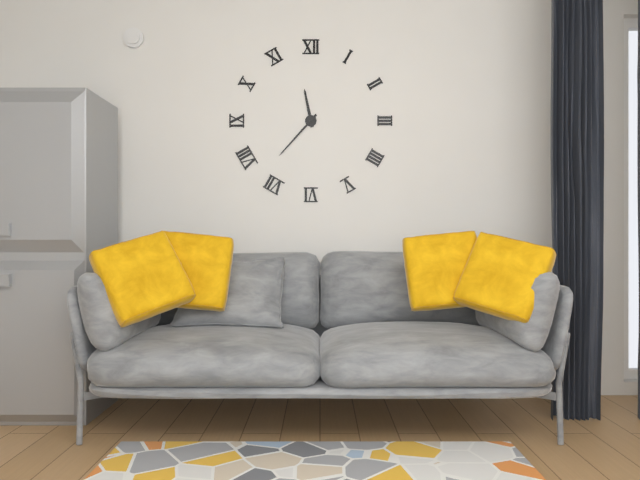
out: 11:37
